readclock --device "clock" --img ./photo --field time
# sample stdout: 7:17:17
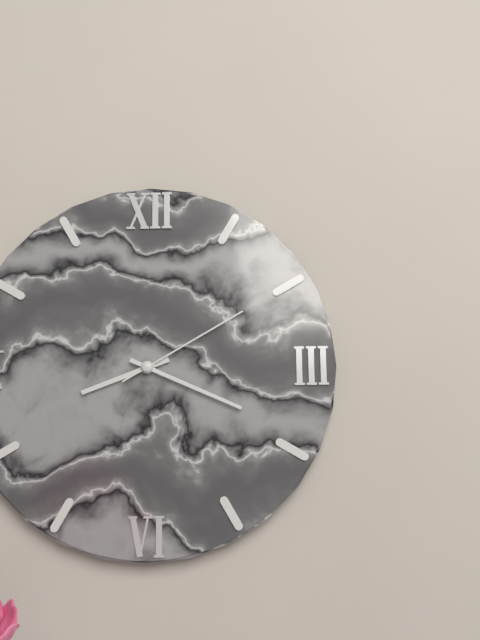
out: 8:19:10
